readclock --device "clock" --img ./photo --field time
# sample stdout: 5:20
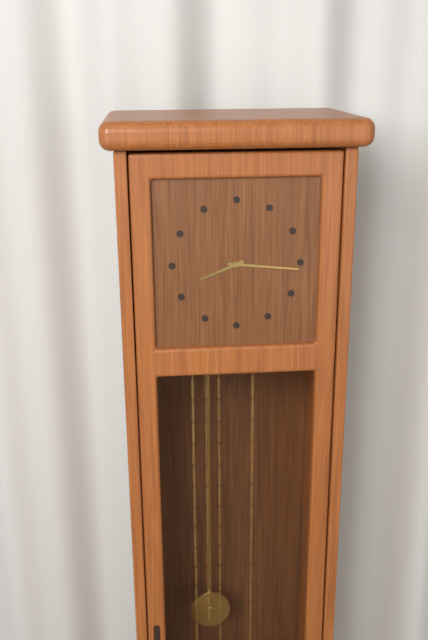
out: 8:16
